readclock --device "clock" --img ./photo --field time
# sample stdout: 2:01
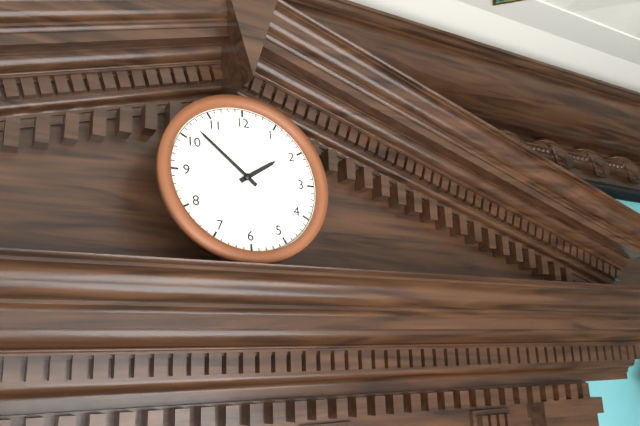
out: 1:52
